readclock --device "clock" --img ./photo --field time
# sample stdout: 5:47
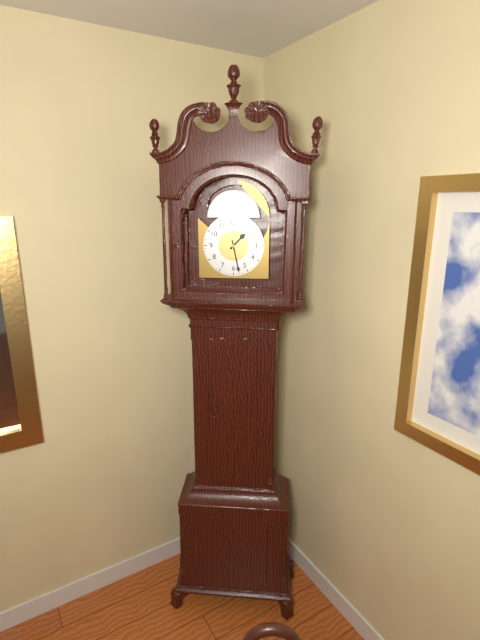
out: 1:28
